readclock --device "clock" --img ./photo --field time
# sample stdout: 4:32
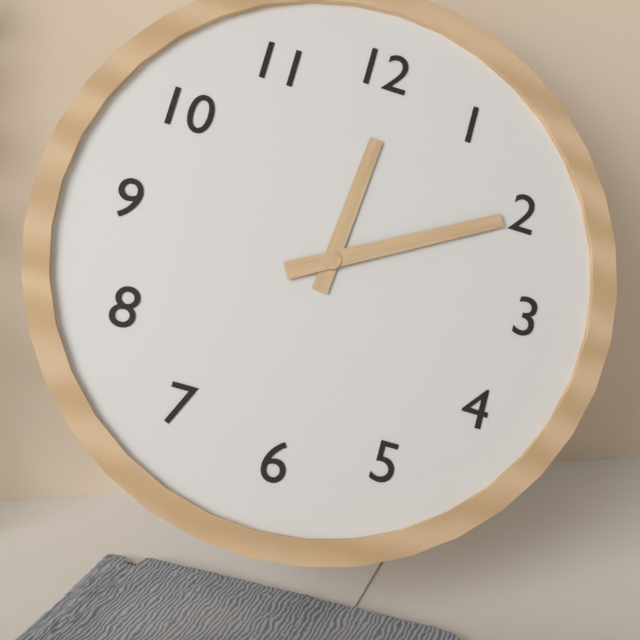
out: 12:10
